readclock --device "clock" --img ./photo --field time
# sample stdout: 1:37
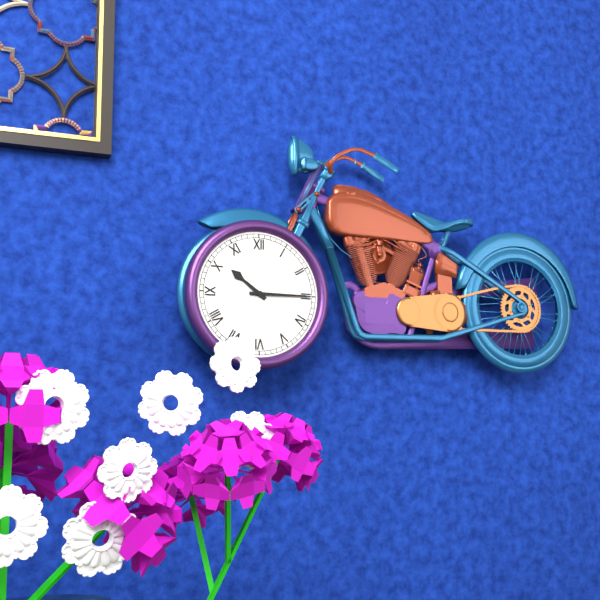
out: 10:15
